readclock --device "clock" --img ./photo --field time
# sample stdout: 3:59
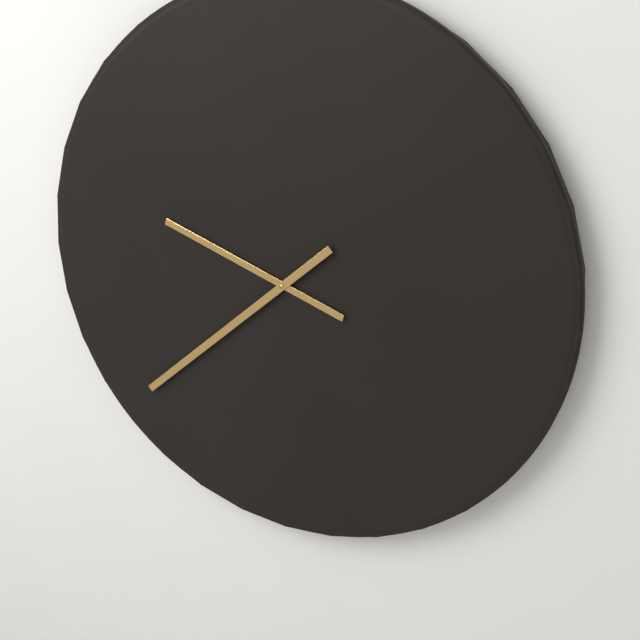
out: 9:38
